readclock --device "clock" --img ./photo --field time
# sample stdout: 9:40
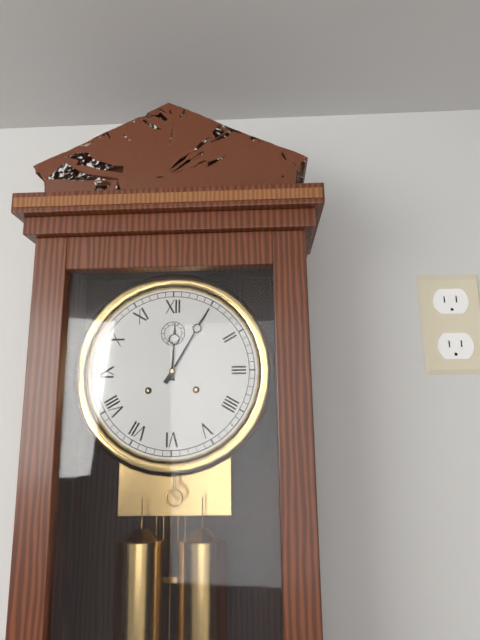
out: 12:05
